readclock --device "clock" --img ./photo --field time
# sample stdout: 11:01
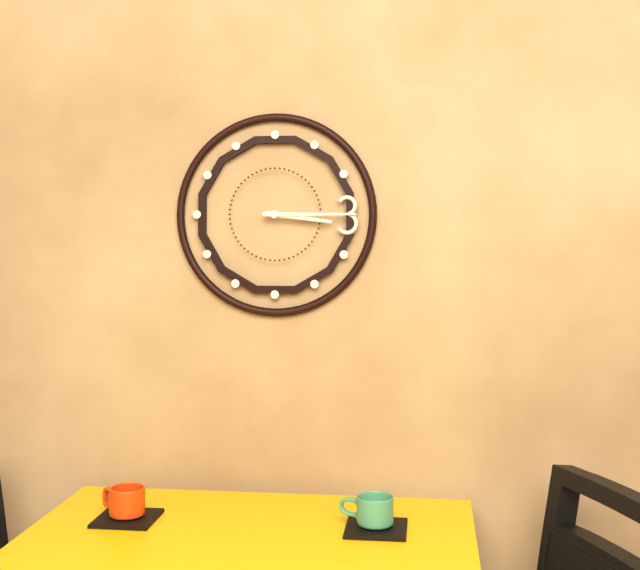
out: 3:15
